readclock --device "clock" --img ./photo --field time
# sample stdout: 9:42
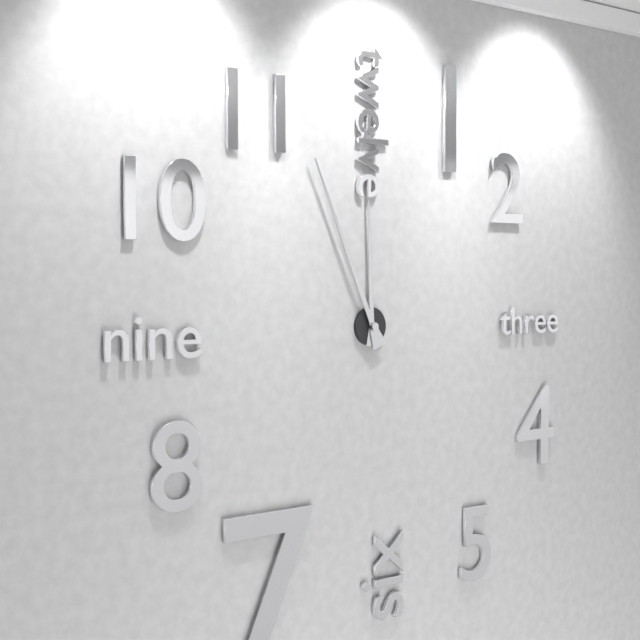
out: 11:56
